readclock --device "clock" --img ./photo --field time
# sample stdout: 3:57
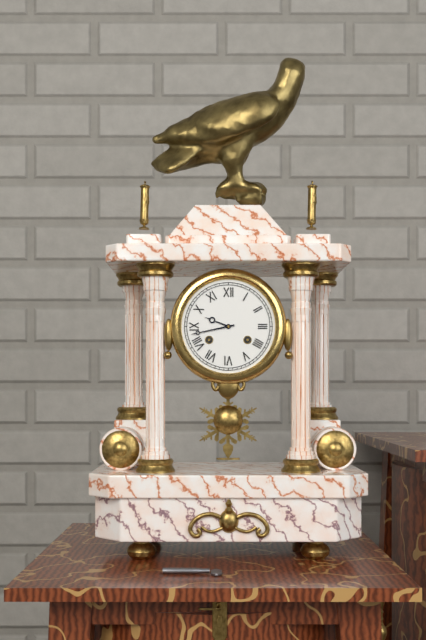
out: 9:43
